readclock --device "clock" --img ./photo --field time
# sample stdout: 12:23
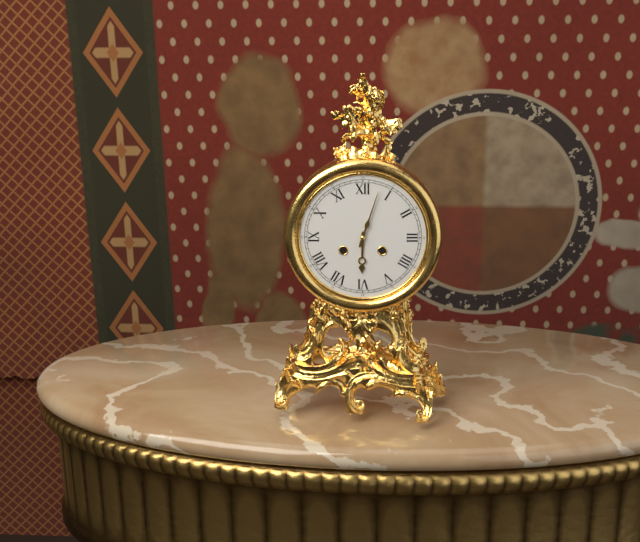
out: 6:03
